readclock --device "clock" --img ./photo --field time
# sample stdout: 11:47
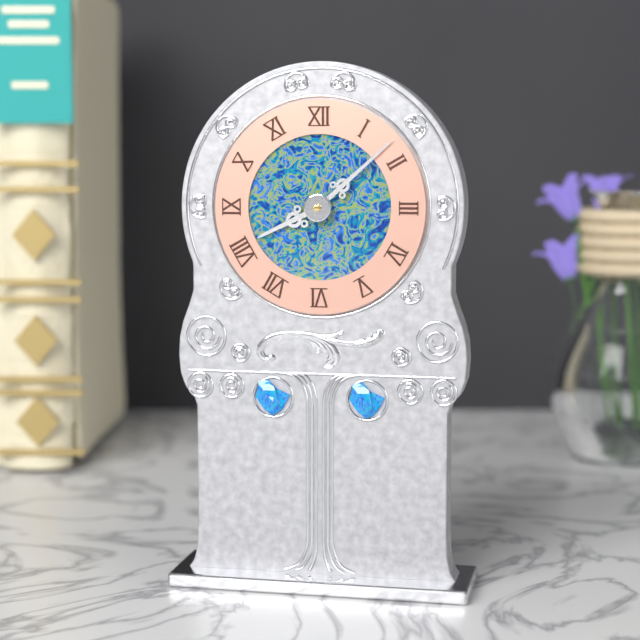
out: 8:08
